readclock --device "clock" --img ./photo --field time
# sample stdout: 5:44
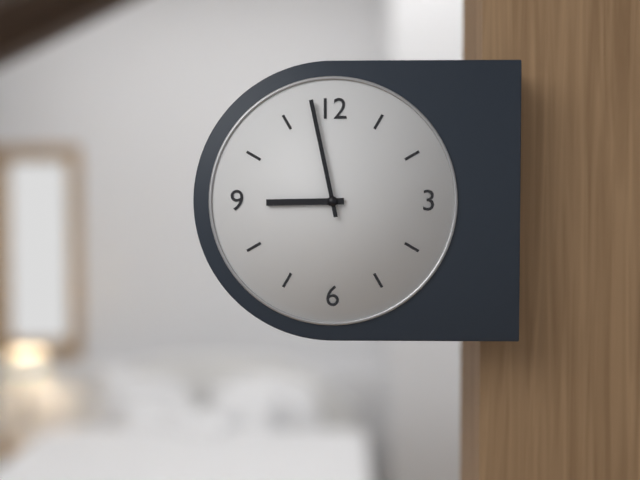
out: 8:58
